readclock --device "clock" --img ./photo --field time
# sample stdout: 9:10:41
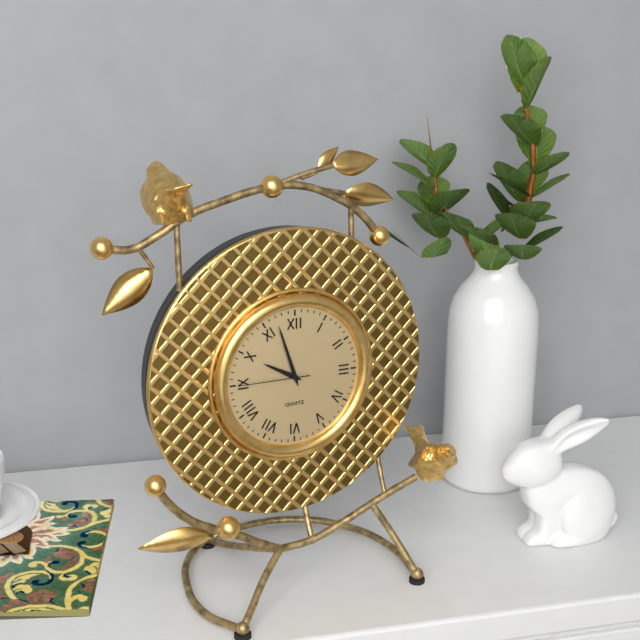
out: 9:57:45
